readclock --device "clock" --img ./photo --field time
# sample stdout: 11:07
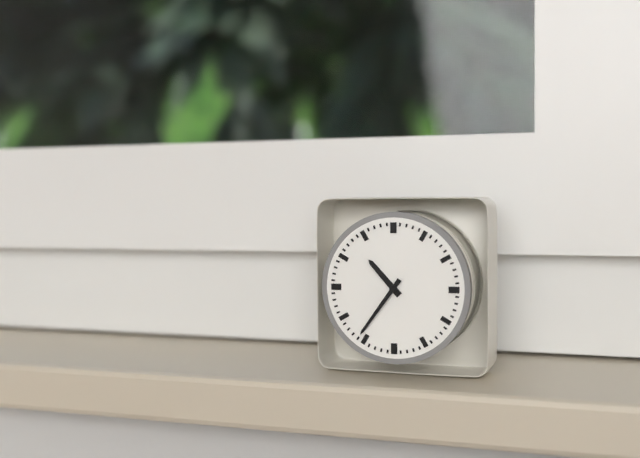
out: 10:36
